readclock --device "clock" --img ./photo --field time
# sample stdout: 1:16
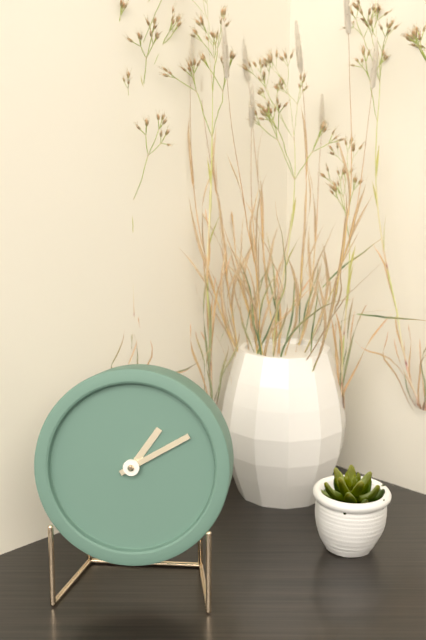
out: 1:10
